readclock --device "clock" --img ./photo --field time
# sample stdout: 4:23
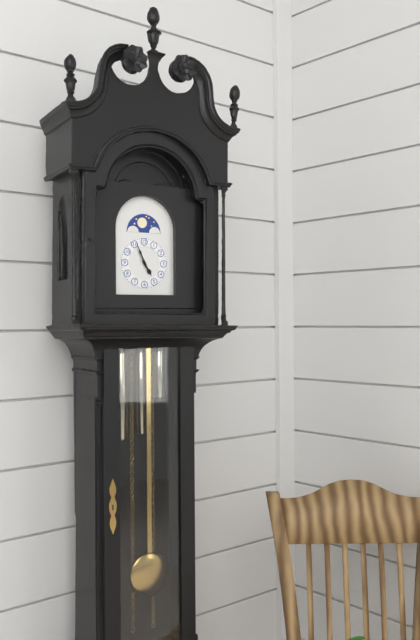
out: 4:56
